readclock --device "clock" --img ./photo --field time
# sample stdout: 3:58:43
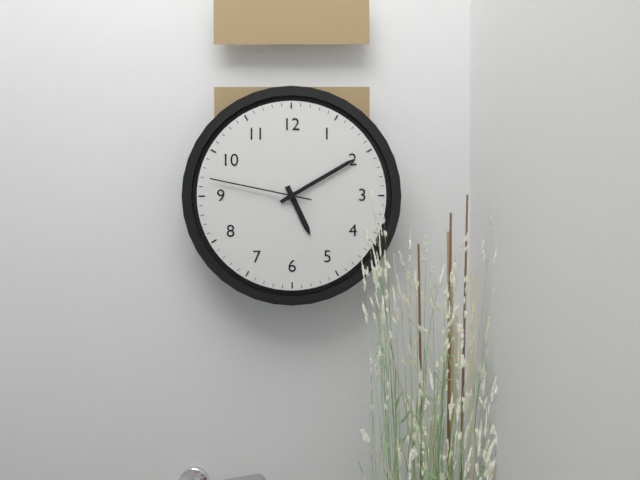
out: 5:10:47
